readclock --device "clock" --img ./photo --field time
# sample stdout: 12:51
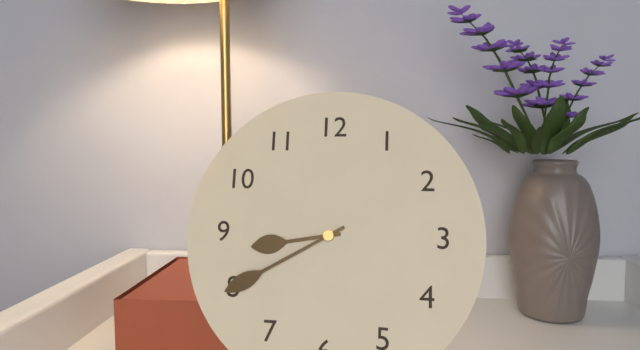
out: 8:40
